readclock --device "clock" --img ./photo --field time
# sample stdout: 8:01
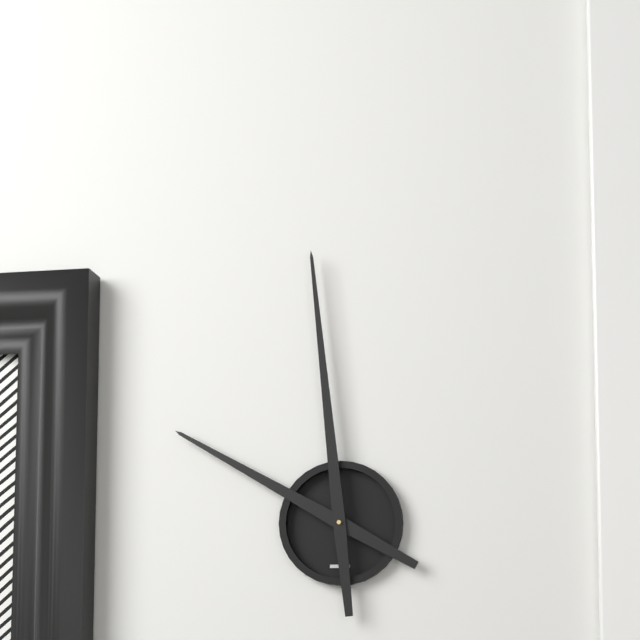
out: 9:59
